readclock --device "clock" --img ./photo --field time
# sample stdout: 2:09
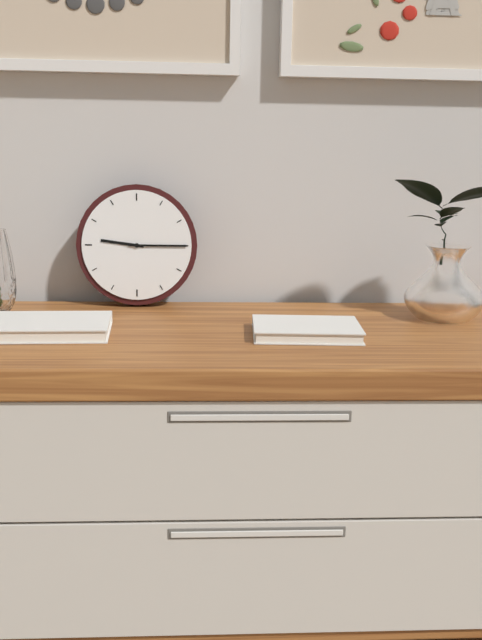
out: 9:15
